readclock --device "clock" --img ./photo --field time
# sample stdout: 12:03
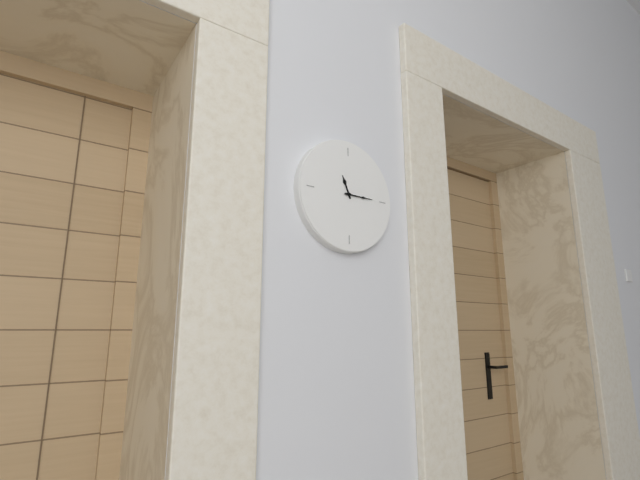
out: 11:15
